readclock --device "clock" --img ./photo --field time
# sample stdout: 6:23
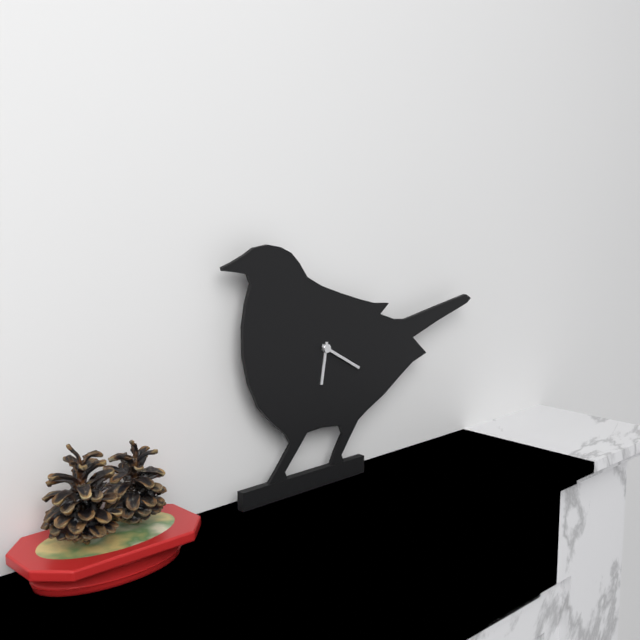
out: 6:20
